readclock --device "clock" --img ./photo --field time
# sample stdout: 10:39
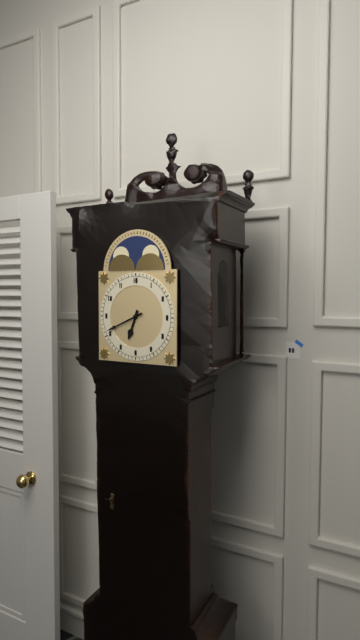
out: 6:41
